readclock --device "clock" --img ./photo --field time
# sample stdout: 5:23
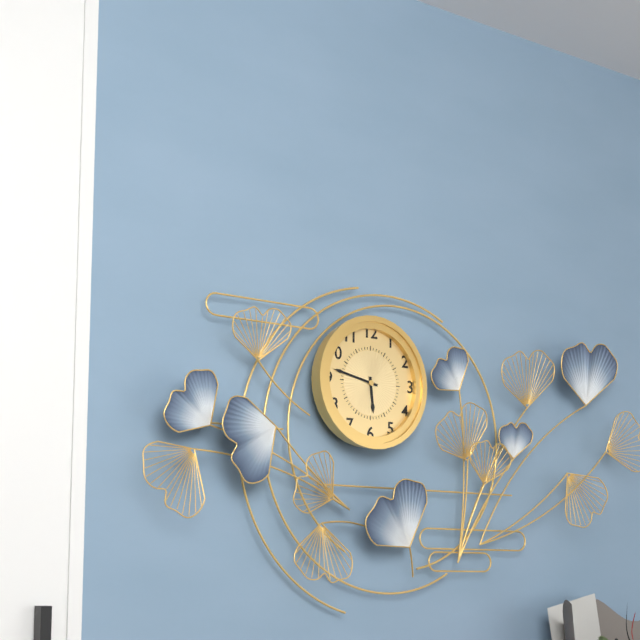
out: 5:47
